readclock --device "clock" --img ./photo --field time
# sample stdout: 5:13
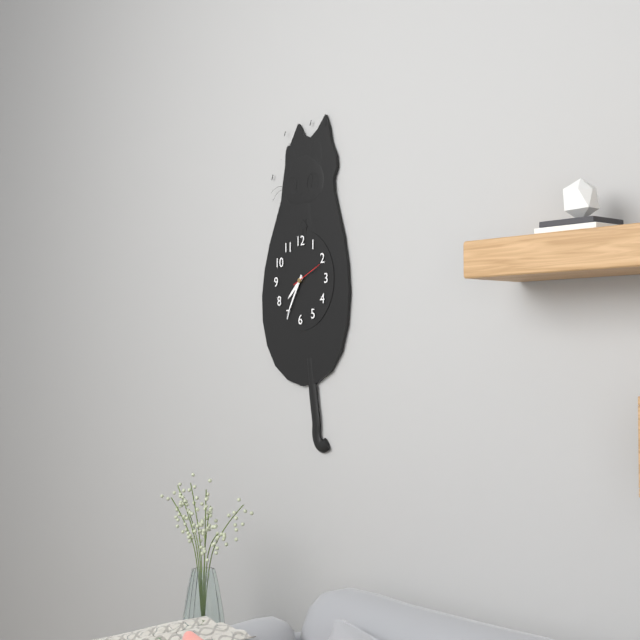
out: 7:35
